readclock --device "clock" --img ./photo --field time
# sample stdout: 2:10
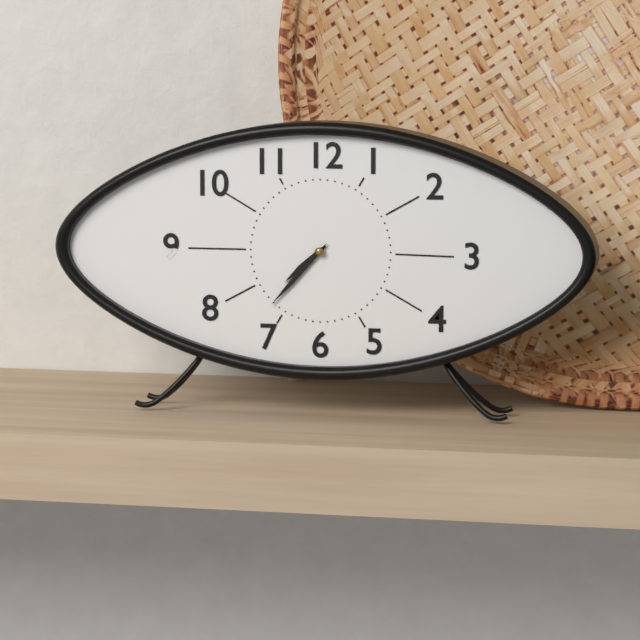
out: 7:37
